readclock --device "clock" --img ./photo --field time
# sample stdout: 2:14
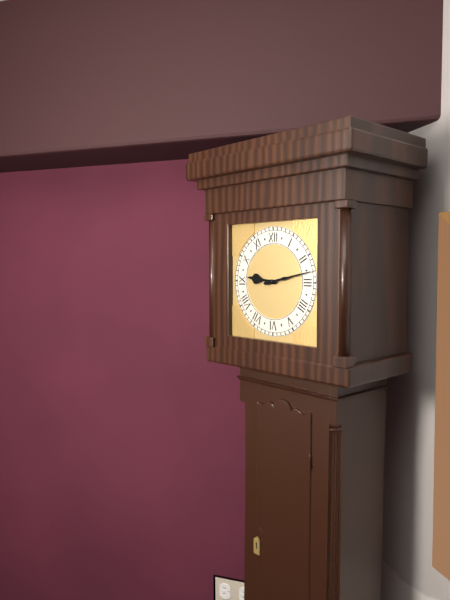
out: 9:13
